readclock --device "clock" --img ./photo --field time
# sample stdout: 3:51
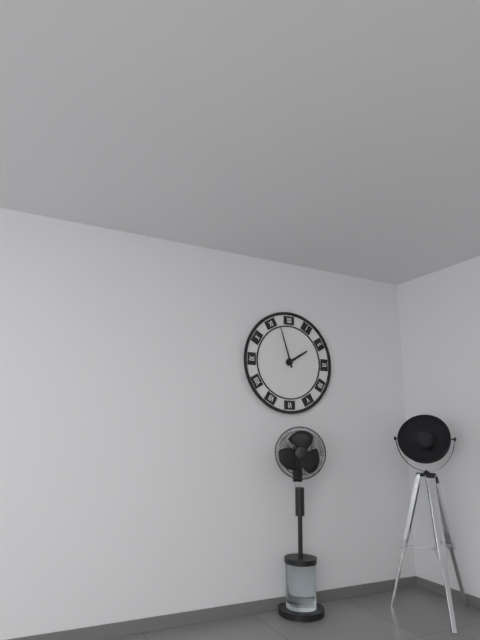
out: 1:57
